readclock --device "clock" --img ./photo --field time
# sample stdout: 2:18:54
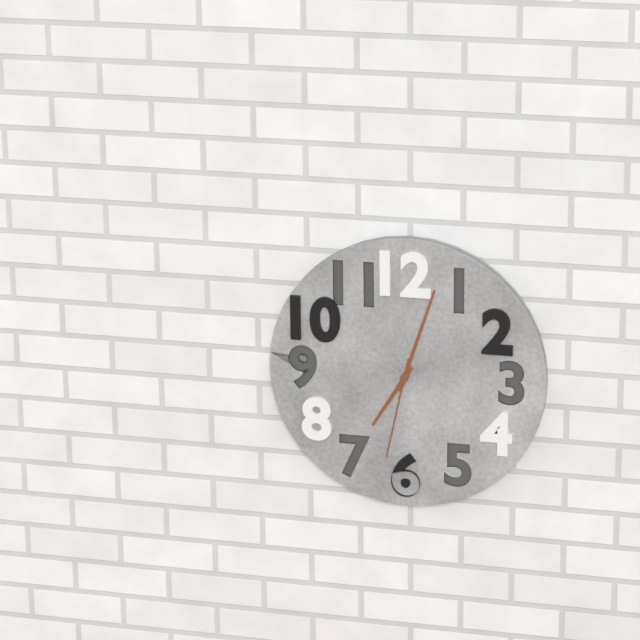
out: 7:03:32
